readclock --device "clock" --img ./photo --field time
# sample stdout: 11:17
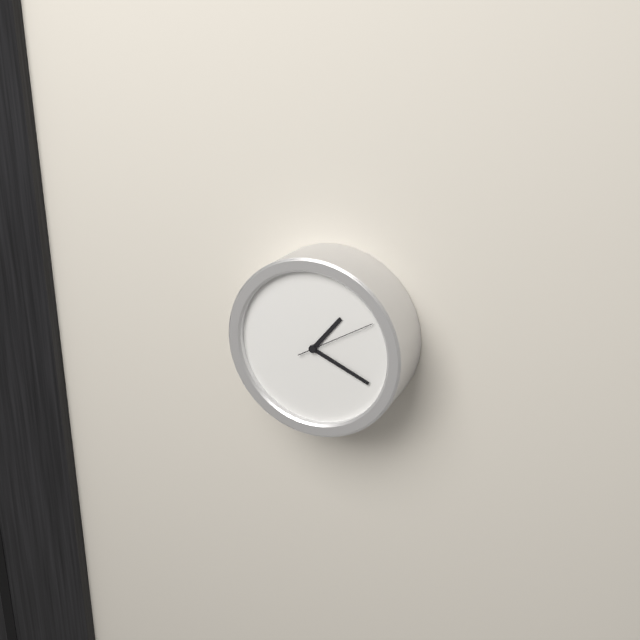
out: 1:19
